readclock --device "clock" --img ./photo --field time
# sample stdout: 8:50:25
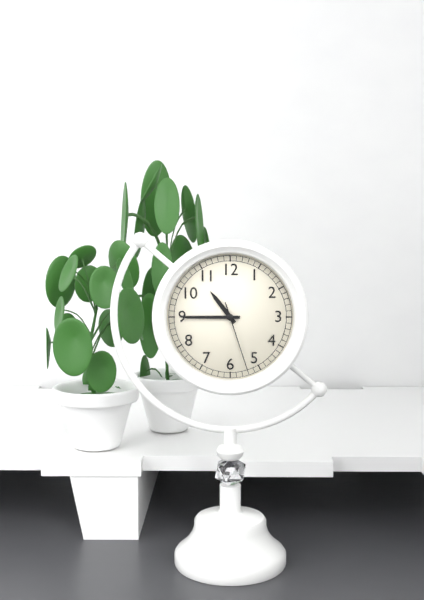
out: 10:45:27
